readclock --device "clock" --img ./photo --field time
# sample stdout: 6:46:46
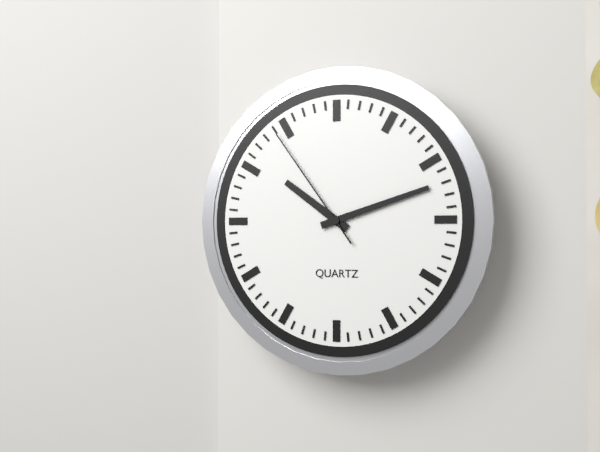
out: 10:12:54
